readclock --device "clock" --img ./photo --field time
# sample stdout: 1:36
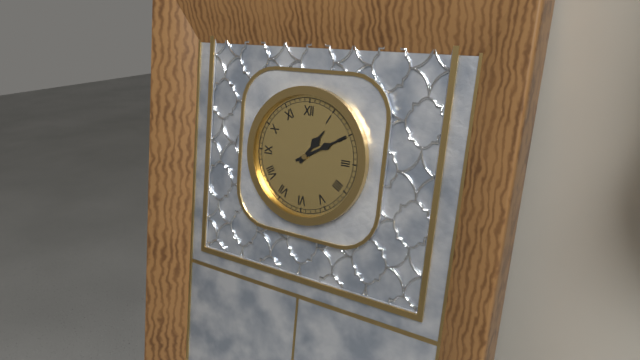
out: 1:10
